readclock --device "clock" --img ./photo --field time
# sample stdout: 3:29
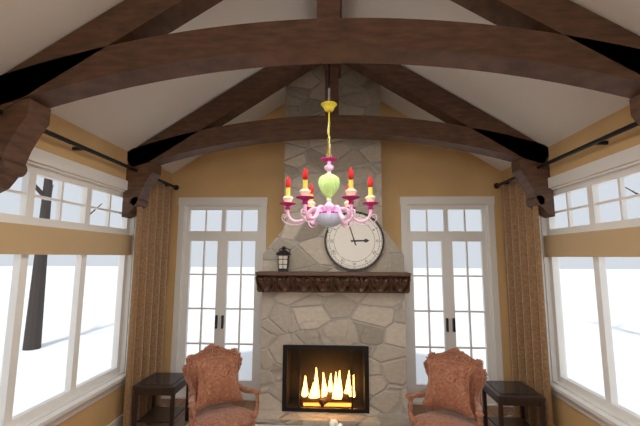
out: 2:57
